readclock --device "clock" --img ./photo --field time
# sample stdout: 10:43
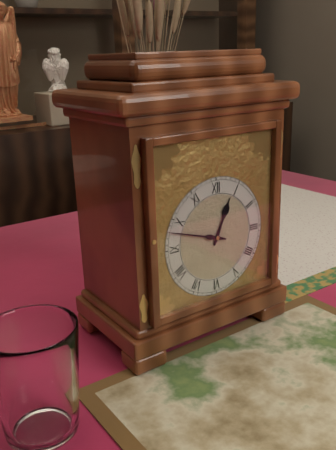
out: 12:48
